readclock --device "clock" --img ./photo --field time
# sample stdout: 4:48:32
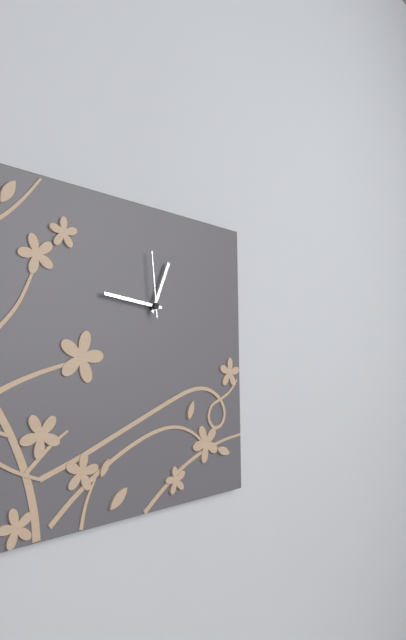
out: 12:46:59
